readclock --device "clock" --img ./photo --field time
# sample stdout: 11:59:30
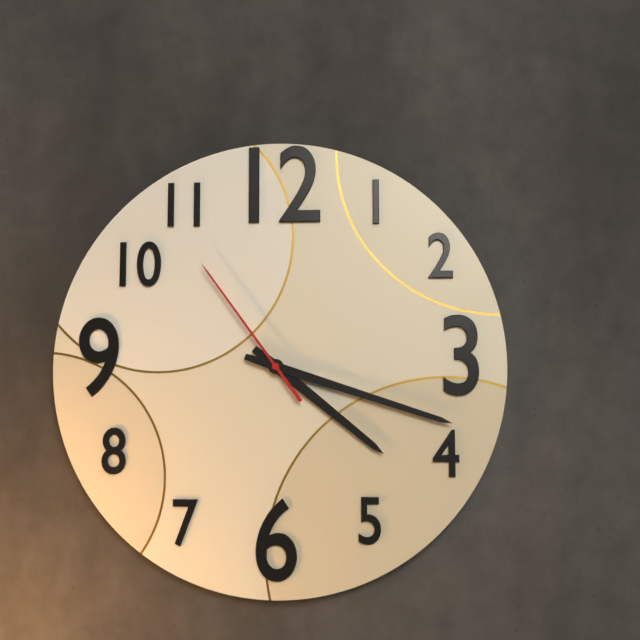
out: 4:18:54
